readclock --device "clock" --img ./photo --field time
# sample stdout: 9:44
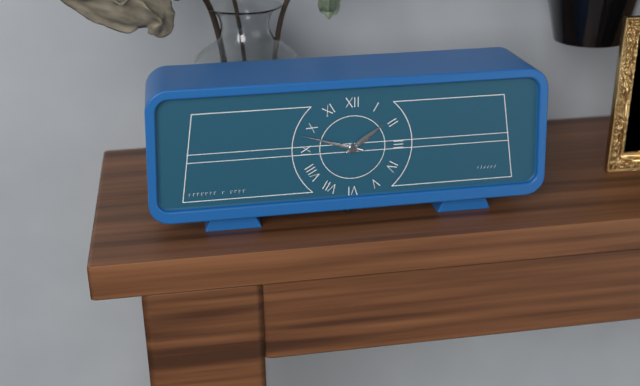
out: 1:48
